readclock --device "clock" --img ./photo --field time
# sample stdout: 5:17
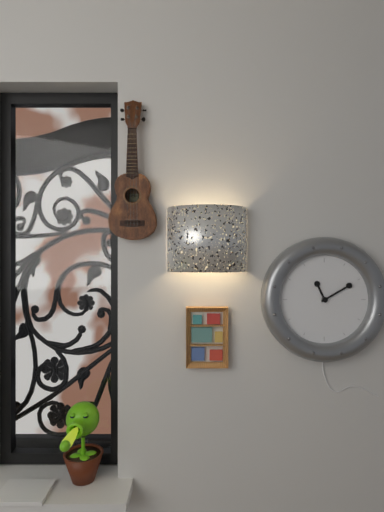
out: 11:10
